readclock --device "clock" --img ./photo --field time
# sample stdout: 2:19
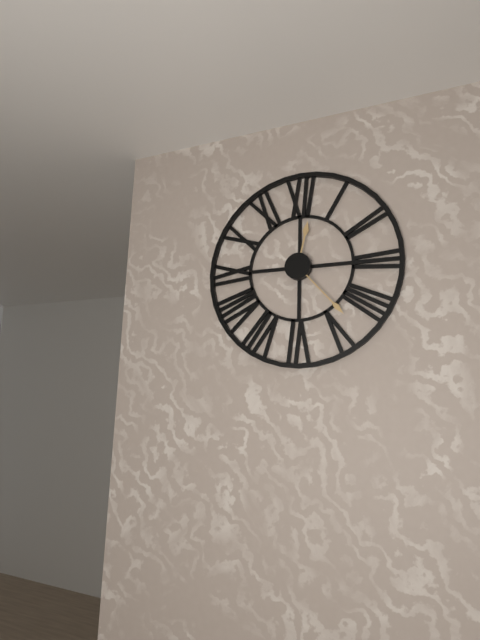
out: 12:23
